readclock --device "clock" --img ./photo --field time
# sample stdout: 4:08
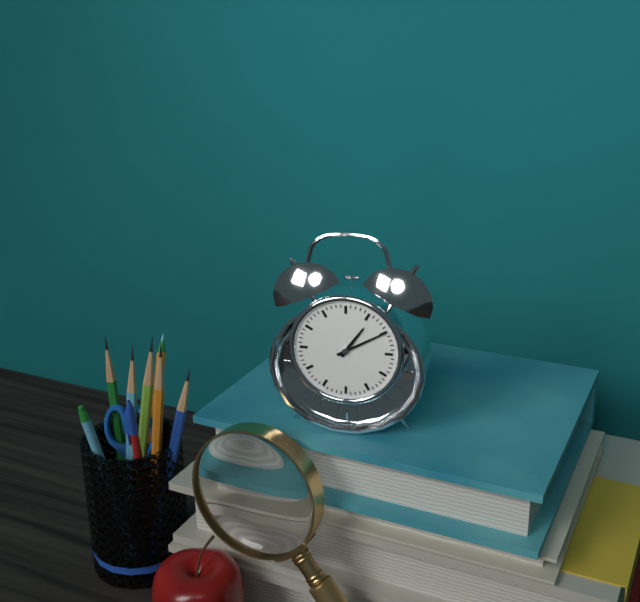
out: 1:10
